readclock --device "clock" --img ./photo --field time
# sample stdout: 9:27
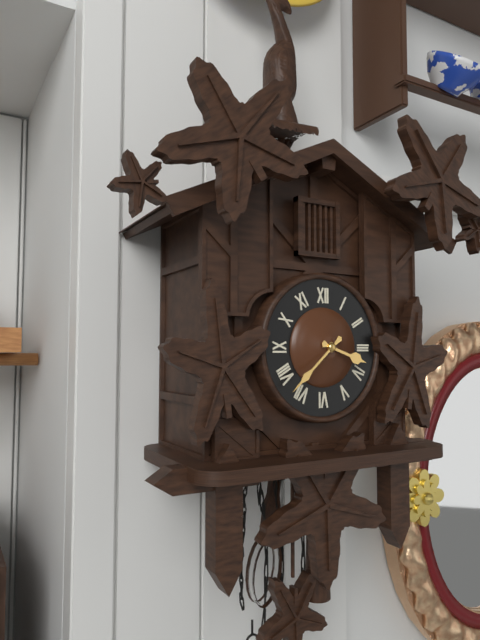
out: 3:38
